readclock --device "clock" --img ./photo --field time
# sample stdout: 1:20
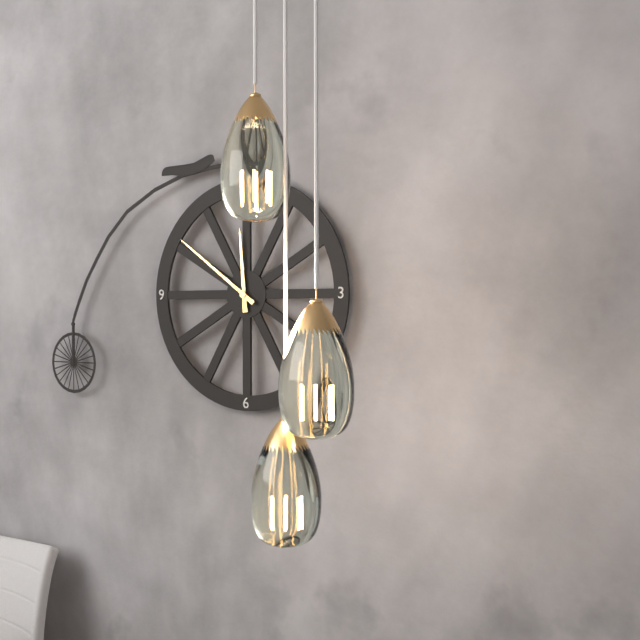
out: 11:51
